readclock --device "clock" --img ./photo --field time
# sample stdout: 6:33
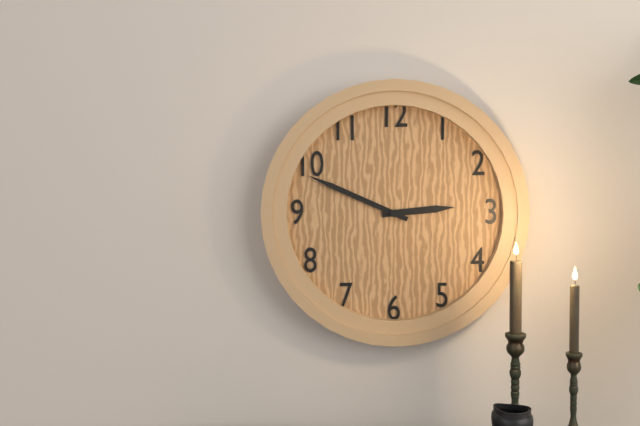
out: 2:49
